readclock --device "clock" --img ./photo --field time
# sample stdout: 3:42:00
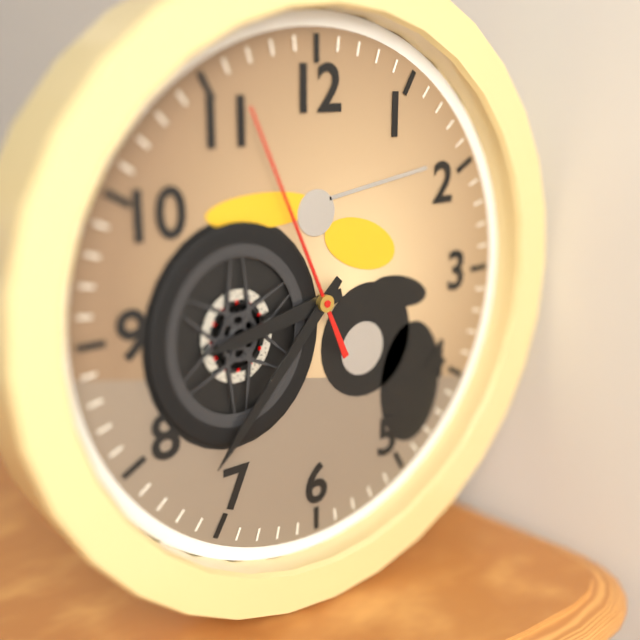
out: 8:37:56
